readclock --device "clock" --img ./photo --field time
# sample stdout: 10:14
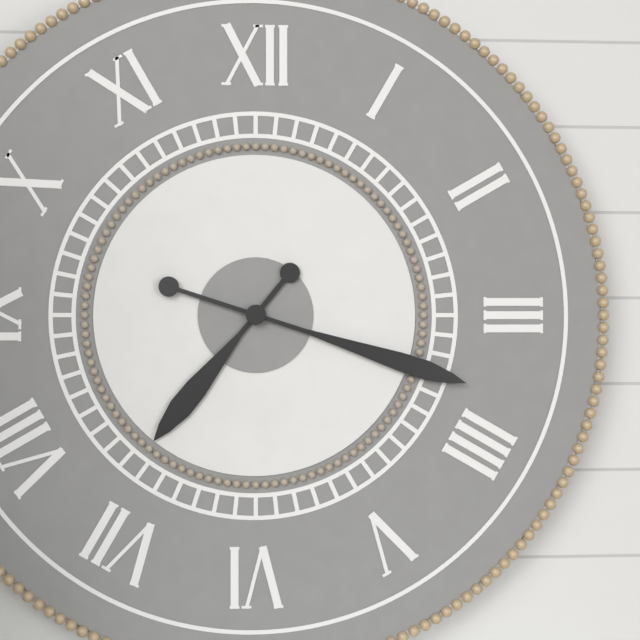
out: 7:18
